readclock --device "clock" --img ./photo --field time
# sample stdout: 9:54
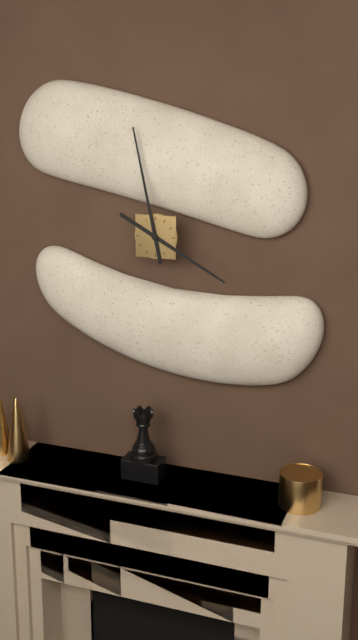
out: 3:58
